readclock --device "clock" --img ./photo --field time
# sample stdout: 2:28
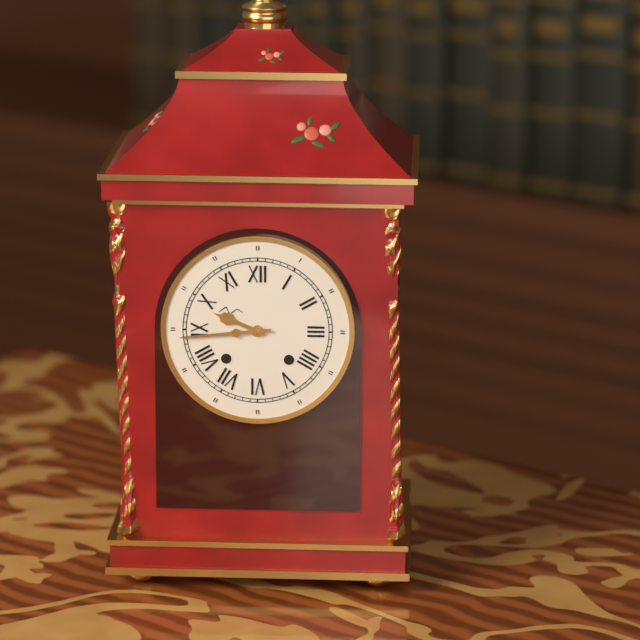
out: 9:44
